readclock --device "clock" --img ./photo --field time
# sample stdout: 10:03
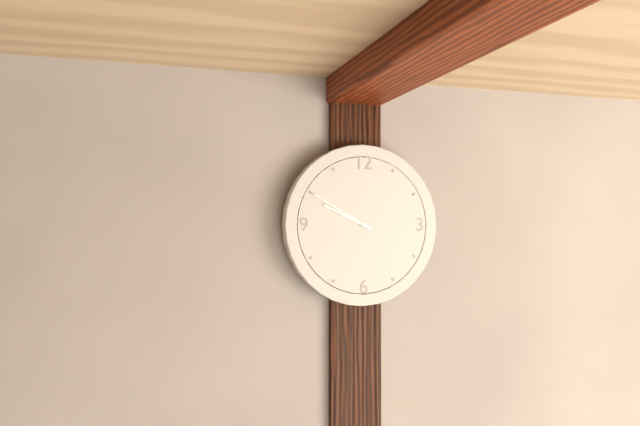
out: 9:50
